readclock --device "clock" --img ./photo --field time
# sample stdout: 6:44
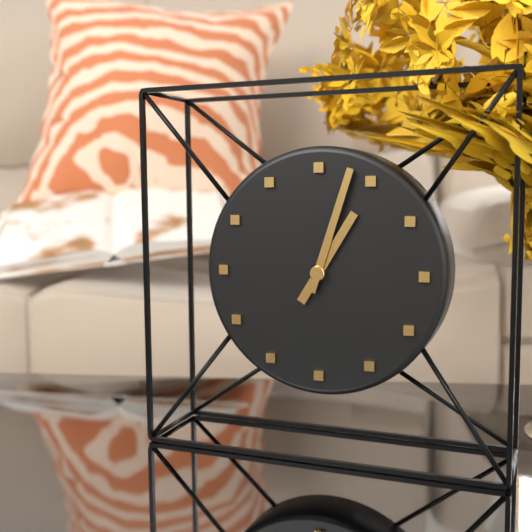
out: 1:03
